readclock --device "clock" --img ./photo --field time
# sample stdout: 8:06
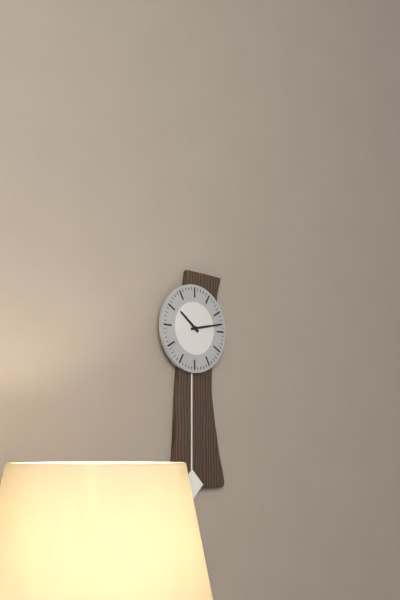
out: 10:13
